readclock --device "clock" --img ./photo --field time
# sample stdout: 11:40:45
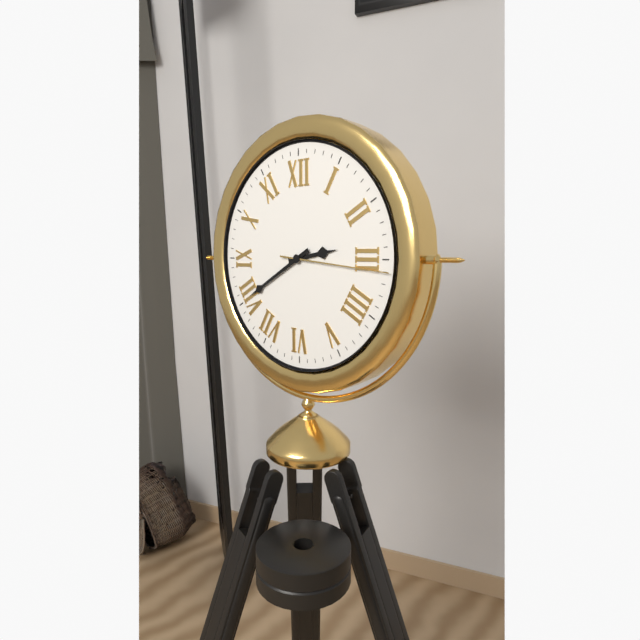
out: 2:40:16
